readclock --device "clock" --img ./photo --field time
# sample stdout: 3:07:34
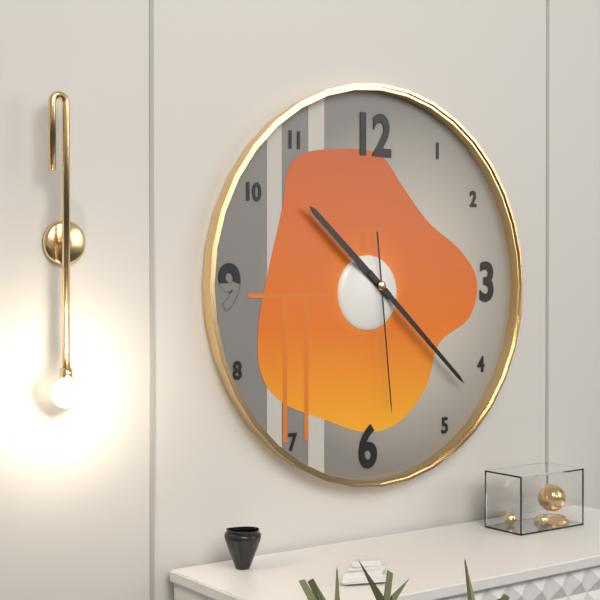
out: 10:22:29
